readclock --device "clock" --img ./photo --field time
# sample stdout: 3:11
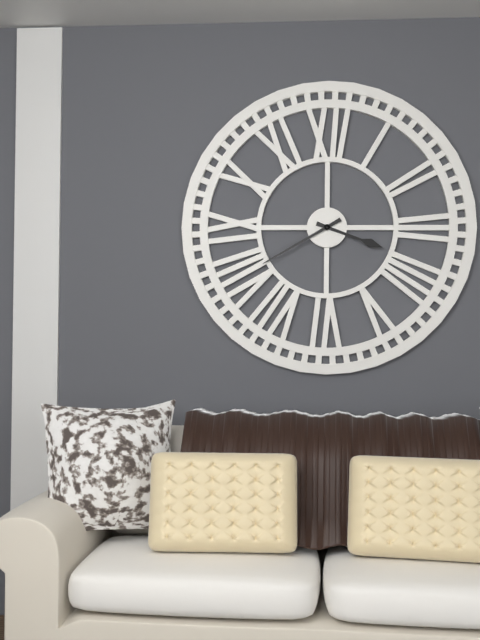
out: 3:40
